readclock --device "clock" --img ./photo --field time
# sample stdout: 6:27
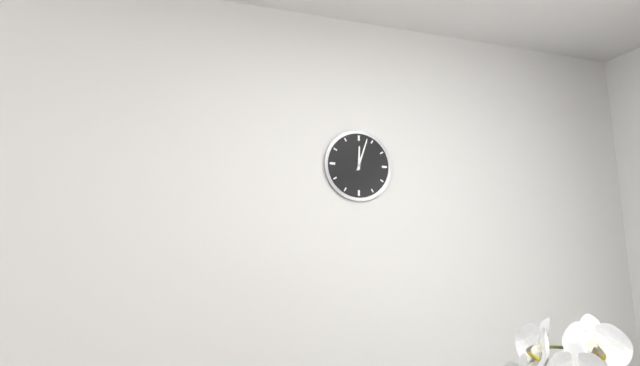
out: 12:03
